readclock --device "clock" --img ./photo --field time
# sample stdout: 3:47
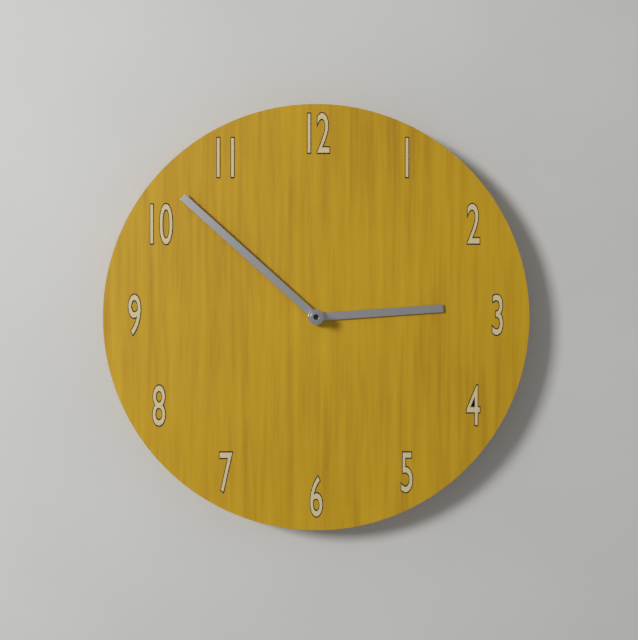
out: 2:52
